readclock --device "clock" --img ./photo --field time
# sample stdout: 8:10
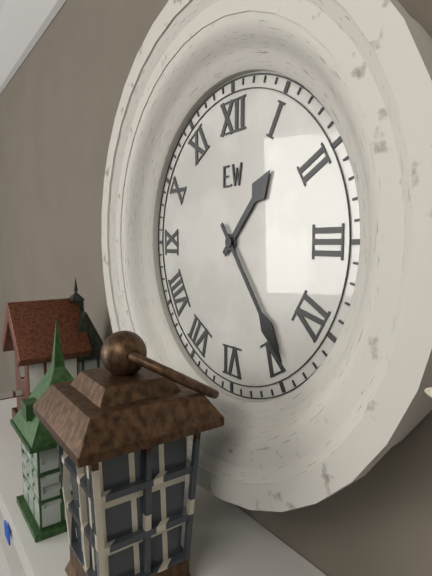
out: 1:24
